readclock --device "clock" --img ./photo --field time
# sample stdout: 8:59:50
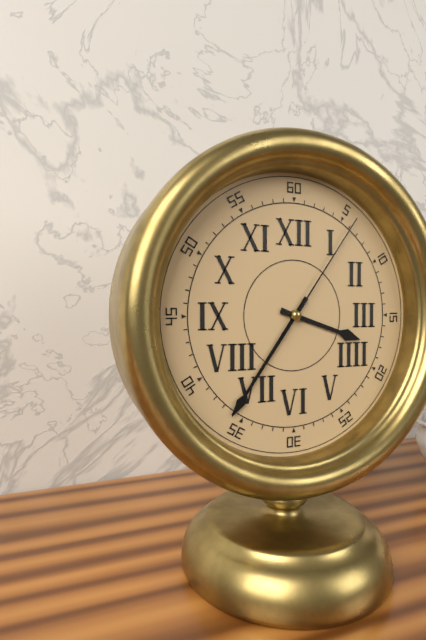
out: 3:36:06
